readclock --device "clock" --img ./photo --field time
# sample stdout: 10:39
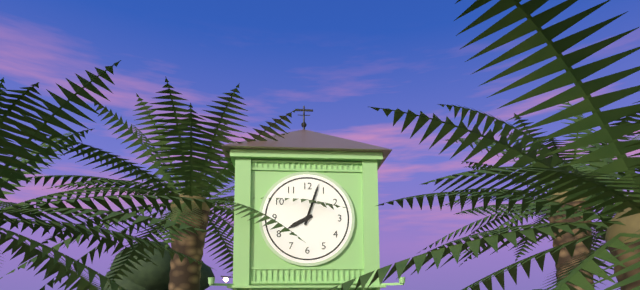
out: 8:03
